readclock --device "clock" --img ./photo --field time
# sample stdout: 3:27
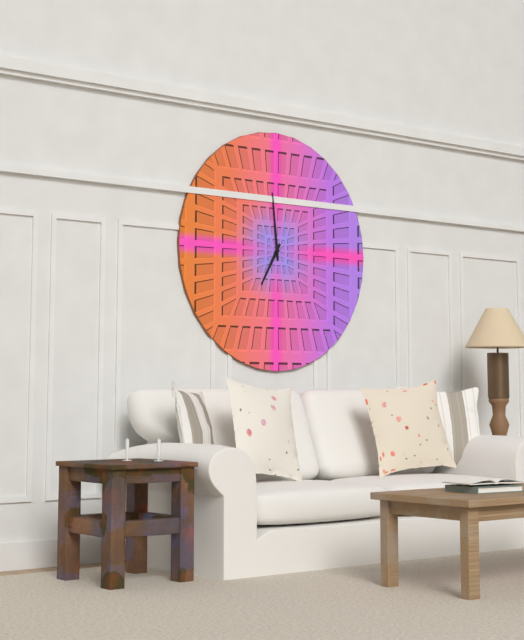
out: 6:59
